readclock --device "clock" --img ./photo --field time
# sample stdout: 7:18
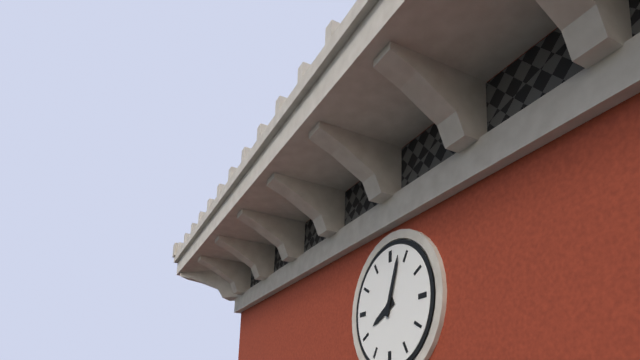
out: 8:03
